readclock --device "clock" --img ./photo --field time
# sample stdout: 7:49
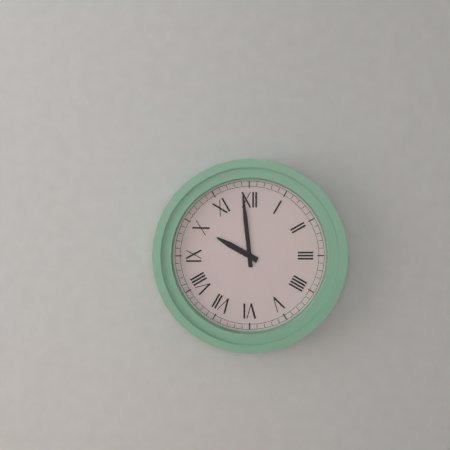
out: 9:59
